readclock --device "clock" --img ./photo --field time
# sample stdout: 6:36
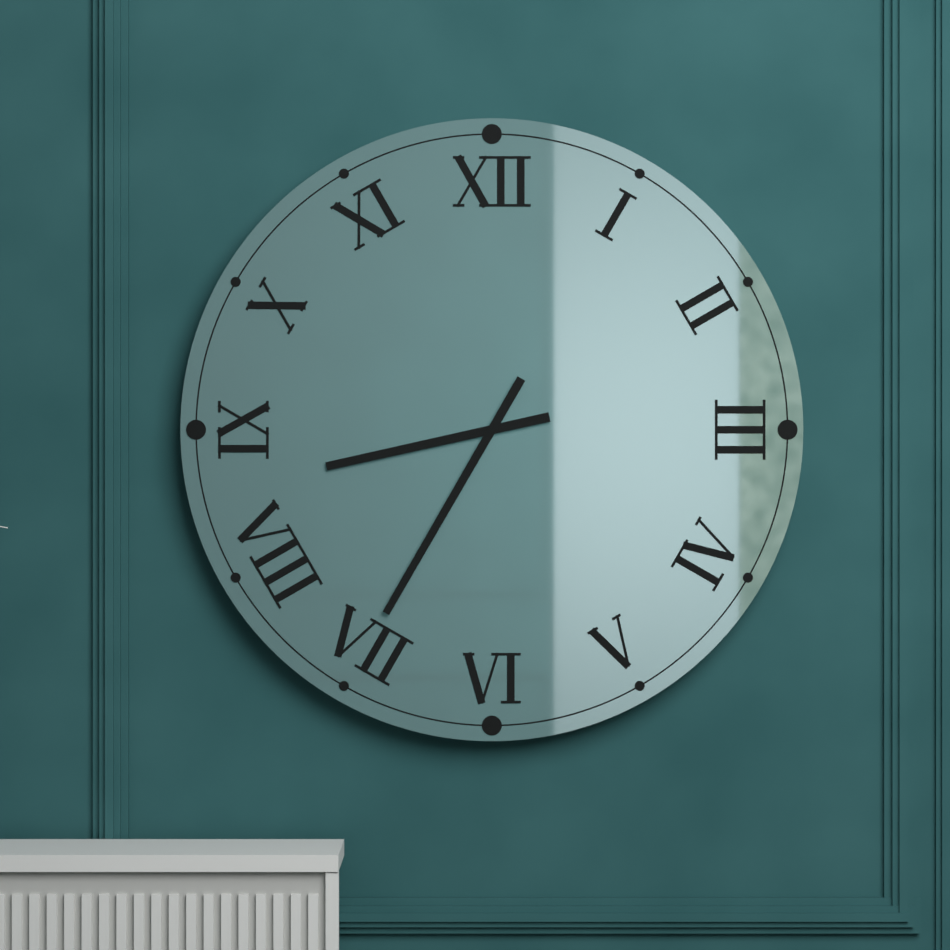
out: 8:35
